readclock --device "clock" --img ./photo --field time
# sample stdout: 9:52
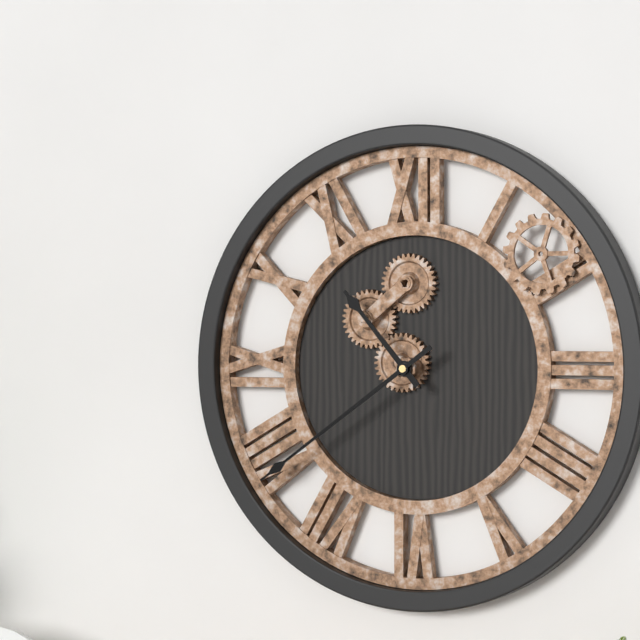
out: 10:39
